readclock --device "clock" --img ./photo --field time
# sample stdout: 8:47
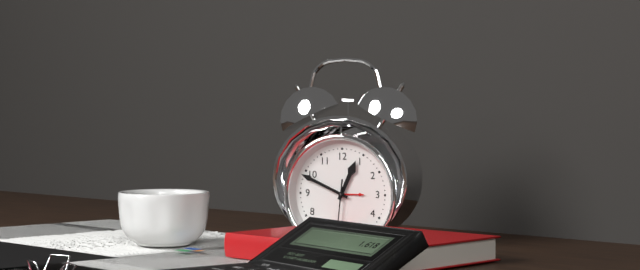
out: 12:49
